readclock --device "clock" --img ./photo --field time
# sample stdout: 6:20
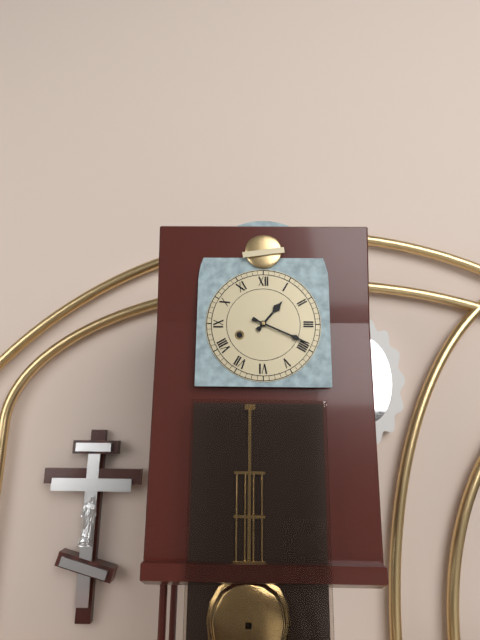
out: 1:19
